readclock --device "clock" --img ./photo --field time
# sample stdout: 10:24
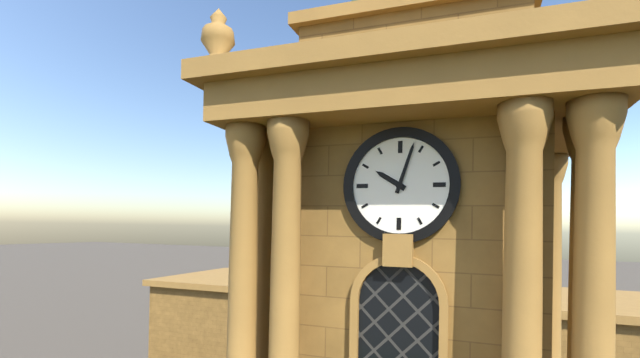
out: 10:03
